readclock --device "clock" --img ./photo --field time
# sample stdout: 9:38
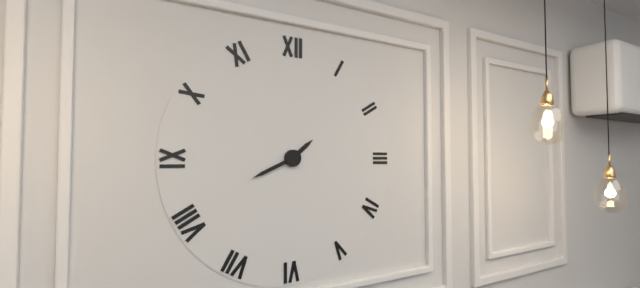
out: 1:41
